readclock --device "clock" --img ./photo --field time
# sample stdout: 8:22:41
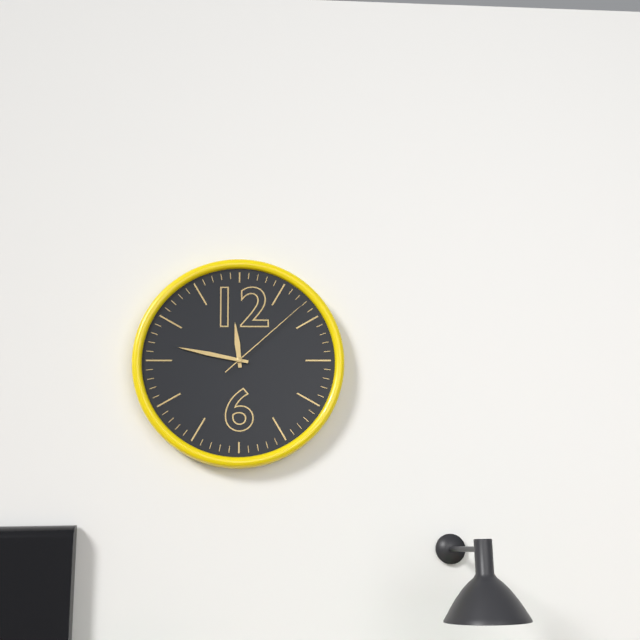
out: 11:47:08
